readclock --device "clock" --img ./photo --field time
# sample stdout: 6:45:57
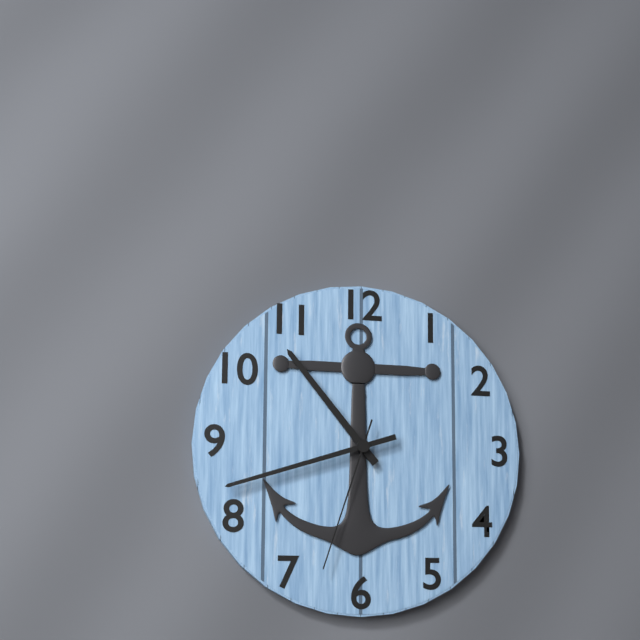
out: 10:42:33
